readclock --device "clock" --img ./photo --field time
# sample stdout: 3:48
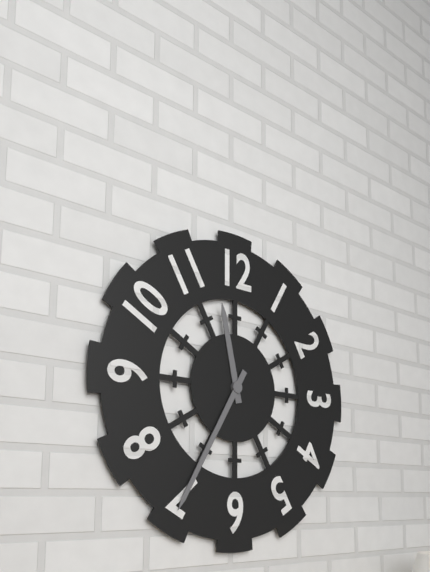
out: 11:35
